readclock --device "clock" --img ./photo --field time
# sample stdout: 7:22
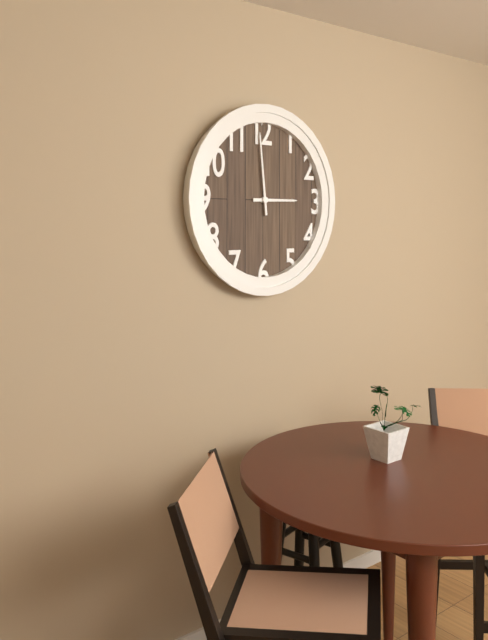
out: 2:59
